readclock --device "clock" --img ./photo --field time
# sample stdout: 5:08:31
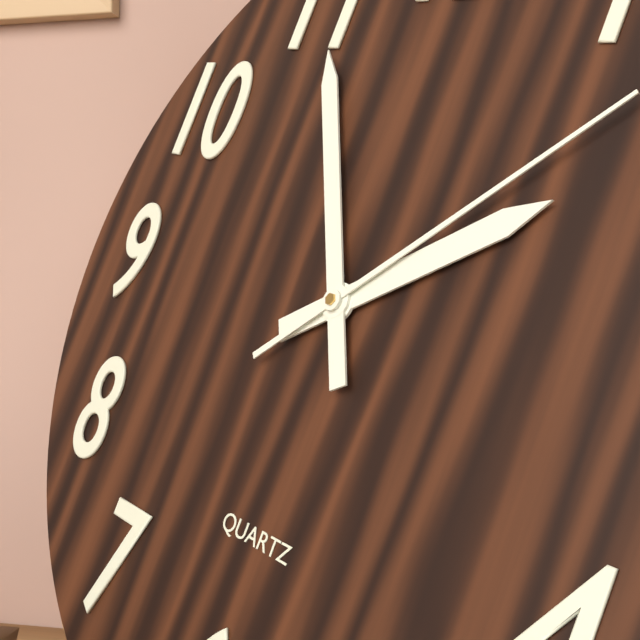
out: 1:55:08
